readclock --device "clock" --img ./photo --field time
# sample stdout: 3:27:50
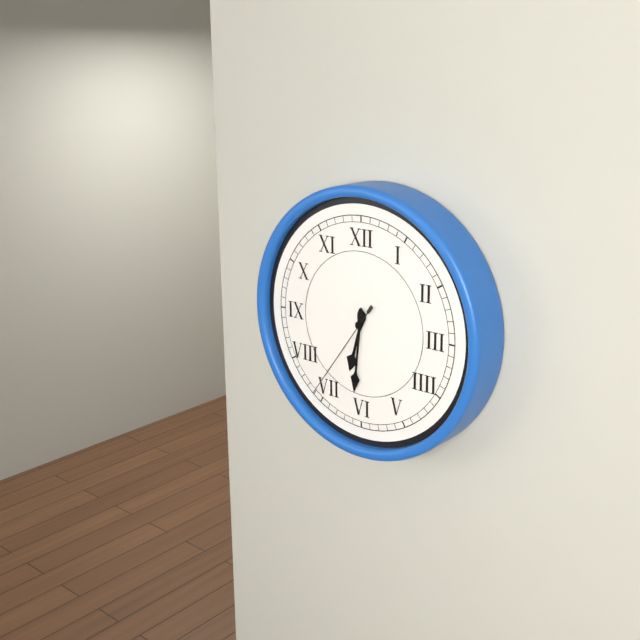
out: 6:31:36
